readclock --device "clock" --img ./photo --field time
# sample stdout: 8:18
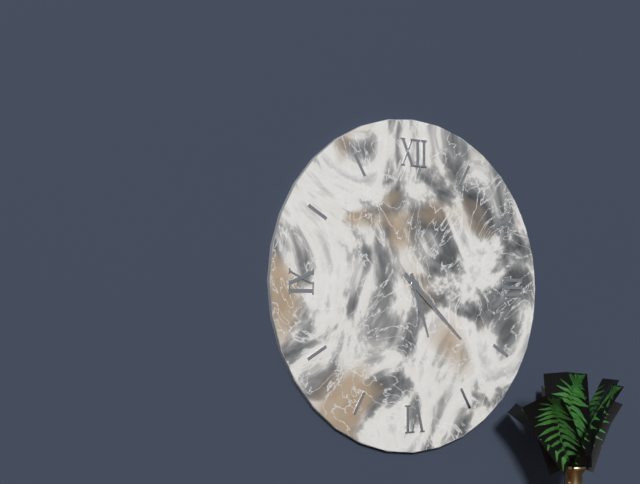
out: 5:22
